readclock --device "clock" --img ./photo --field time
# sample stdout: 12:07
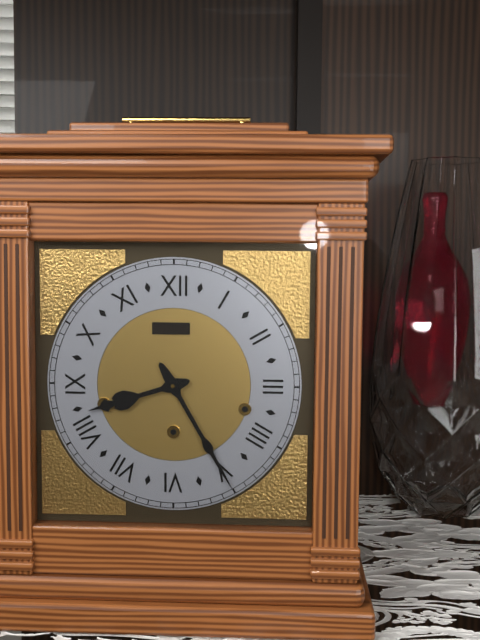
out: 8:25
